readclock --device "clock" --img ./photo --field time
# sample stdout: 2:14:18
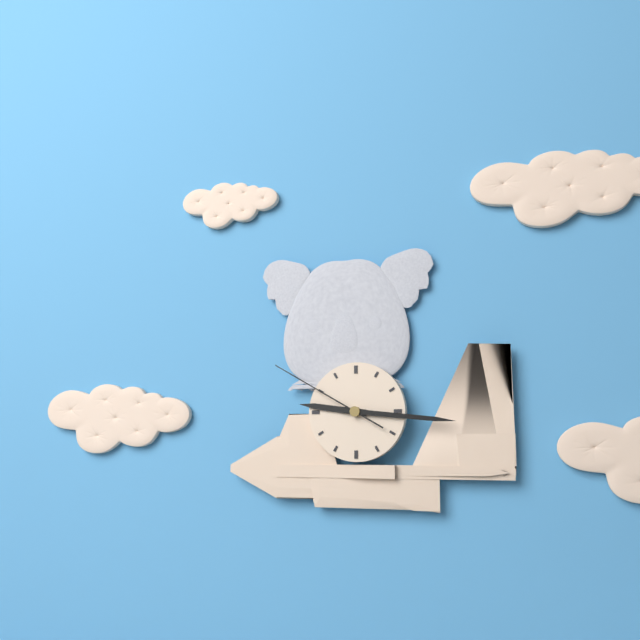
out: 9:16:50
